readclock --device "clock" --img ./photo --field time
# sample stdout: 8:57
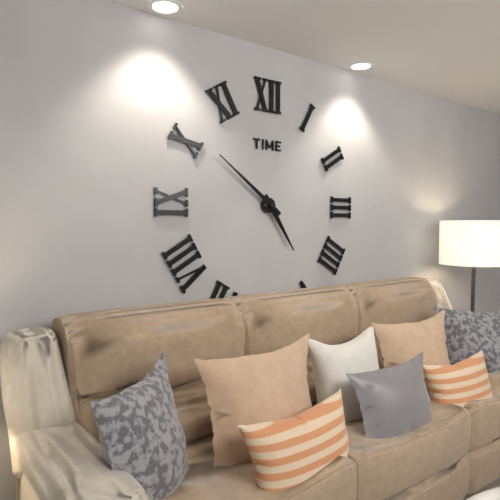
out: 4:51
